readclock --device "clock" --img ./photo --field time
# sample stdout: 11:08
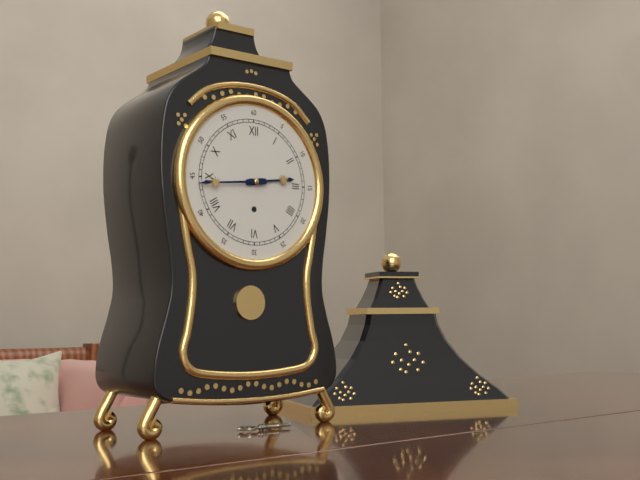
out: 2:44
